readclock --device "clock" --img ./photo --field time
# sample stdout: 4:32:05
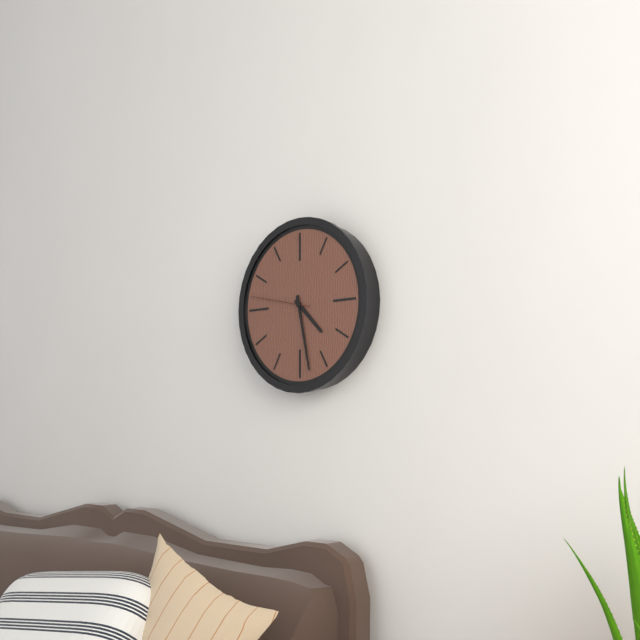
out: 4:28:47
